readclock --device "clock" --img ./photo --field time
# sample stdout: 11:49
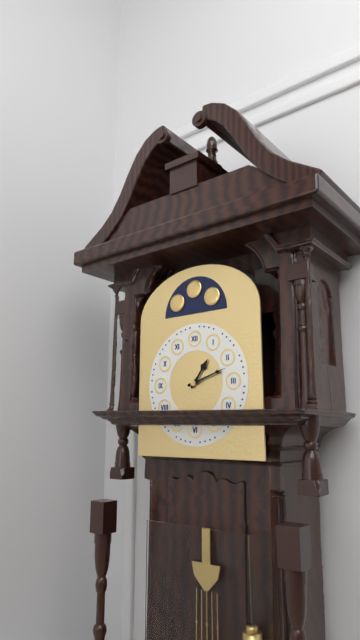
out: 1:12
